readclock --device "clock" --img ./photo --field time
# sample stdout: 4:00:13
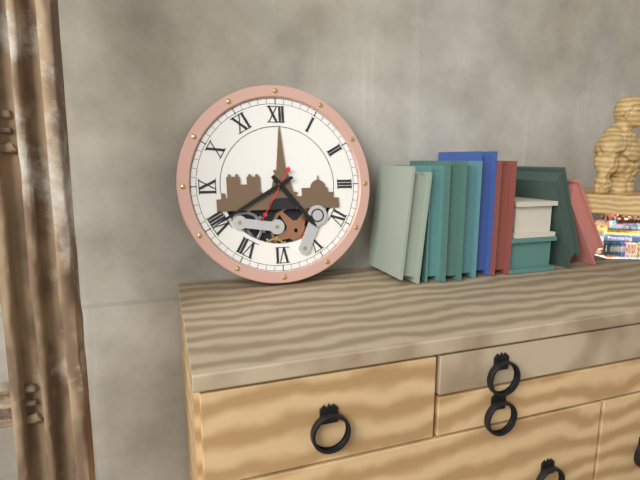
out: 4:40:35
